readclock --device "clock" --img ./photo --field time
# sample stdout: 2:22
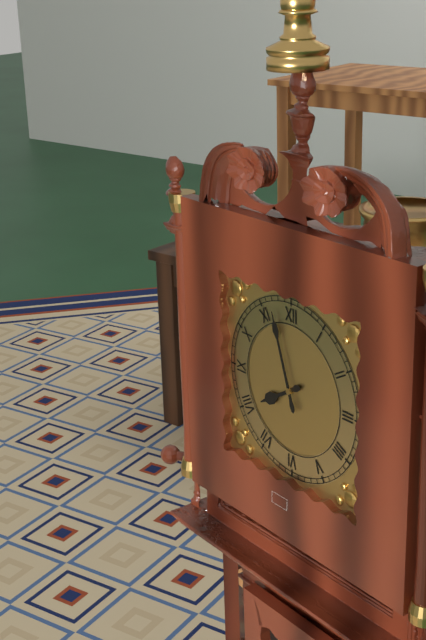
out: 7:57
